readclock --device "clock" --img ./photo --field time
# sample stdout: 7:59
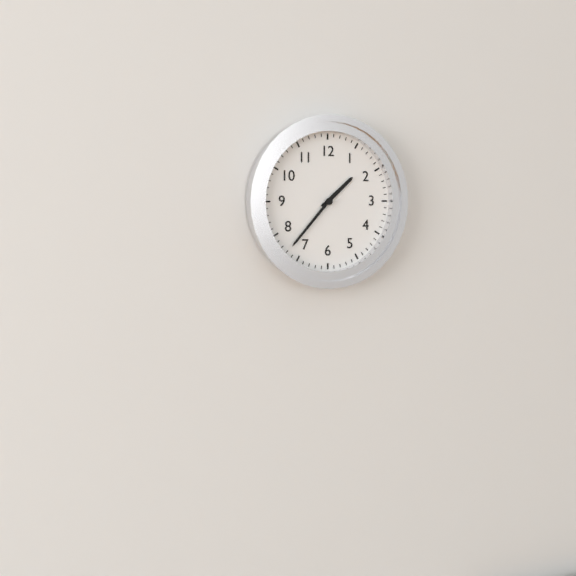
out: 1:37
